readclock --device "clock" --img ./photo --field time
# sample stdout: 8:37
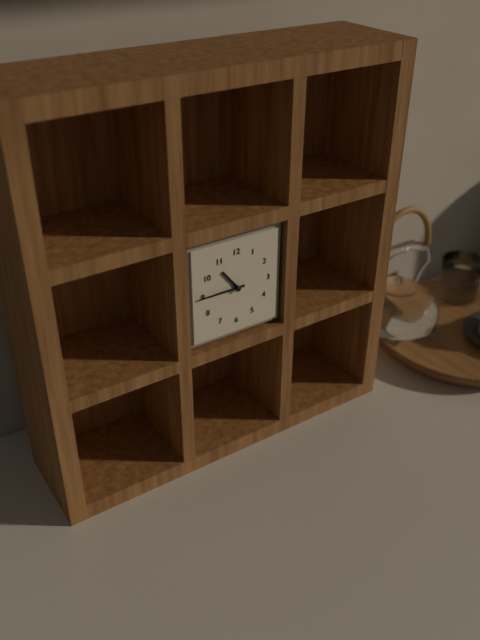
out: 10:45
